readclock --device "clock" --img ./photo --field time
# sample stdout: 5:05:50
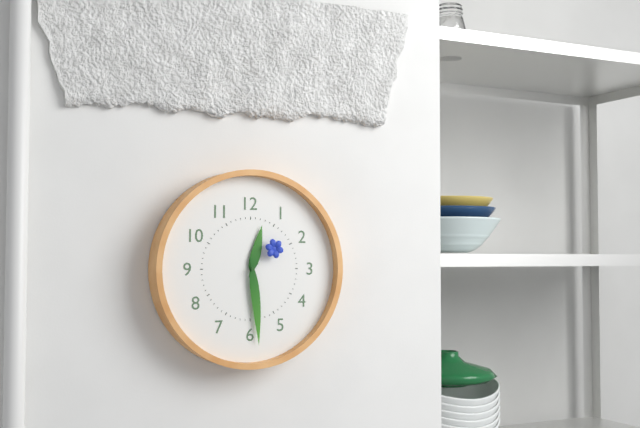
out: 12:29:08
